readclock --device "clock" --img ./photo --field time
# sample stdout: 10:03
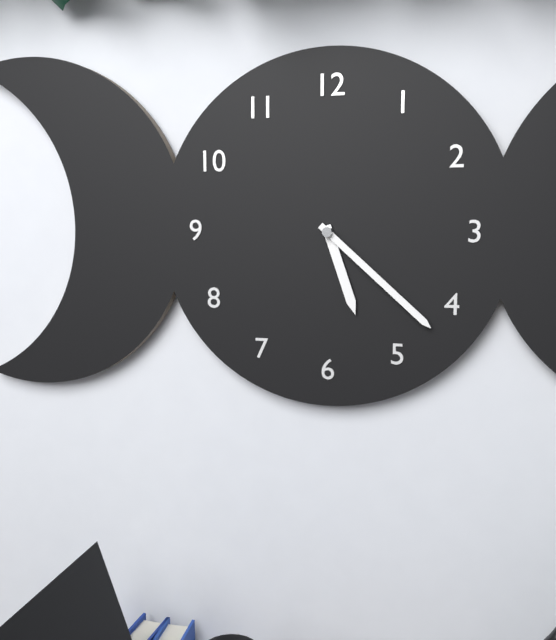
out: 5:22
